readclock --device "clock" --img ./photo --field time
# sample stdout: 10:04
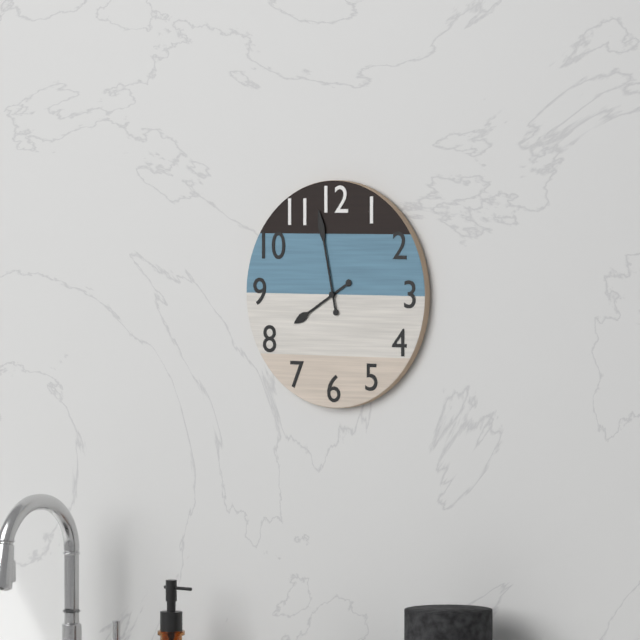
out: 7:58
